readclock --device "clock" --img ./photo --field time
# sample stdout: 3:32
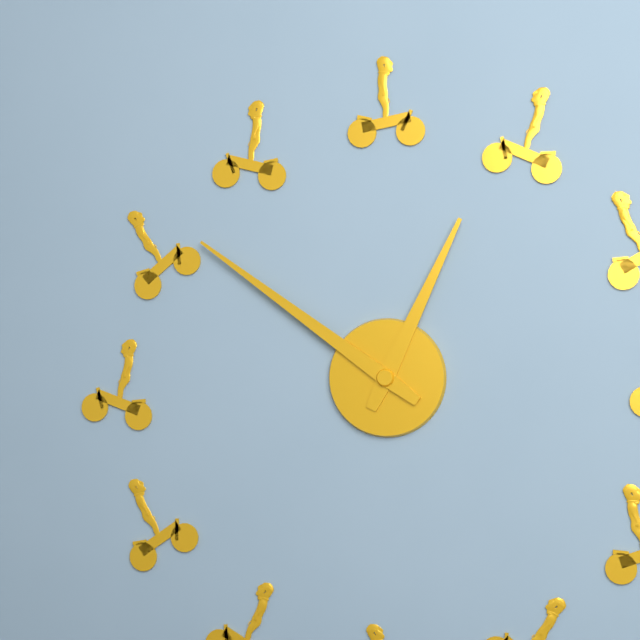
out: 12:51
